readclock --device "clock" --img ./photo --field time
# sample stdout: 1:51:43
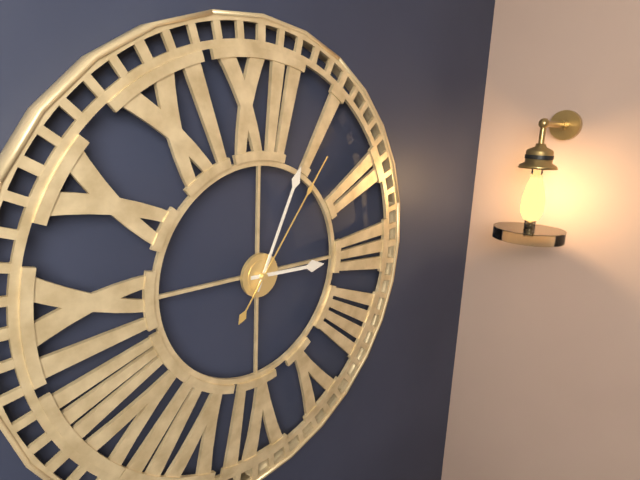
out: 3:04:06
